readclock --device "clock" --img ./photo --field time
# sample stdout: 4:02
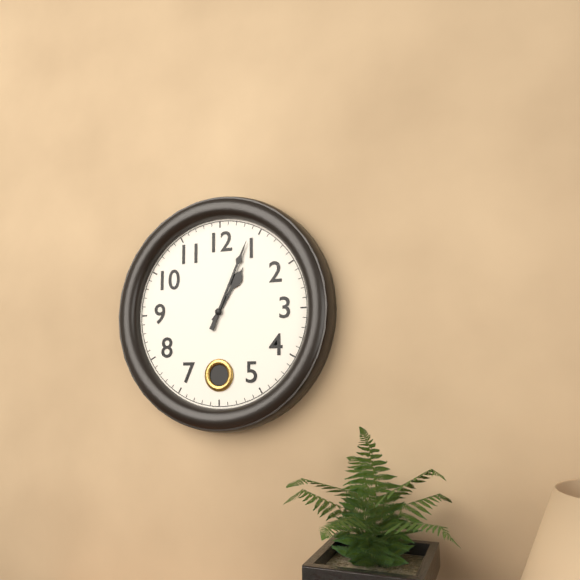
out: 1:04
